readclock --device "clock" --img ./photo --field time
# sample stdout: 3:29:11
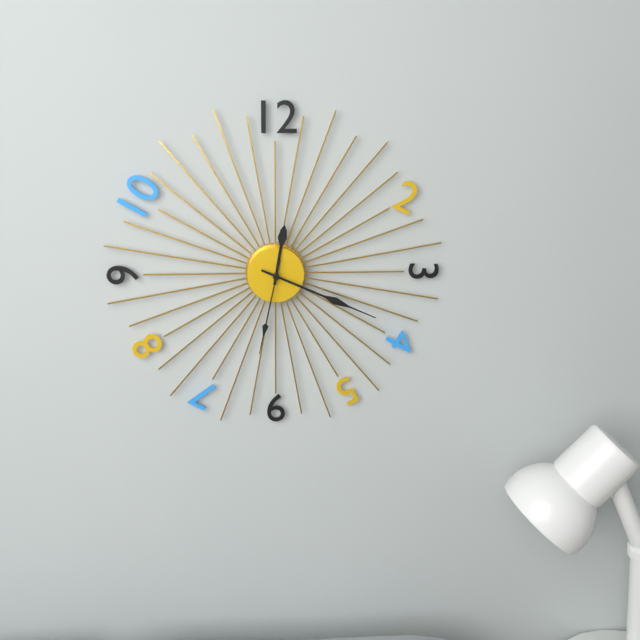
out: 12:19:32
